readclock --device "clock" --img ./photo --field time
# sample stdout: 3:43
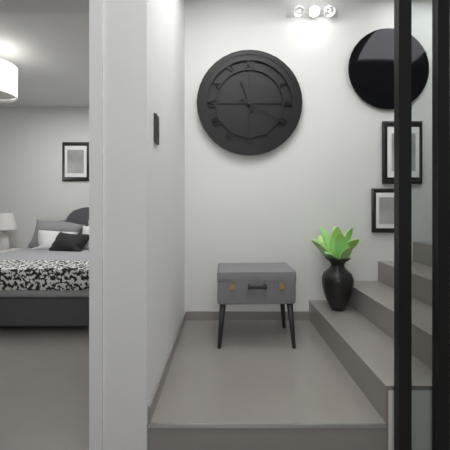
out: 11:20
